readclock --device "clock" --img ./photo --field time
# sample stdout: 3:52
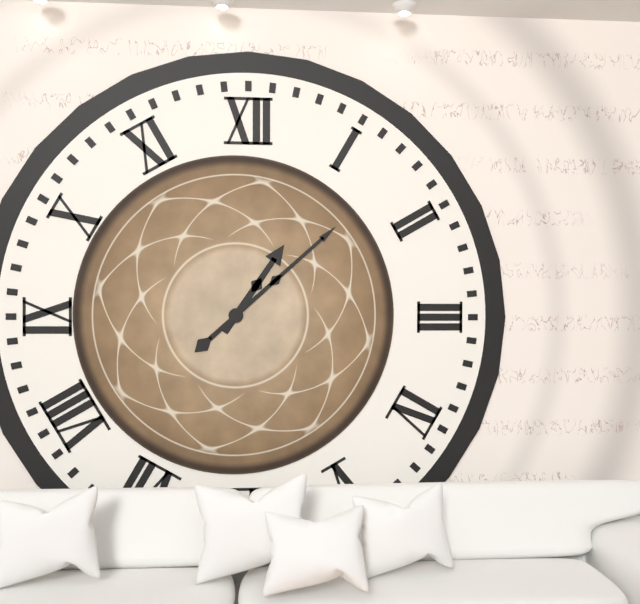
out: 1:08
